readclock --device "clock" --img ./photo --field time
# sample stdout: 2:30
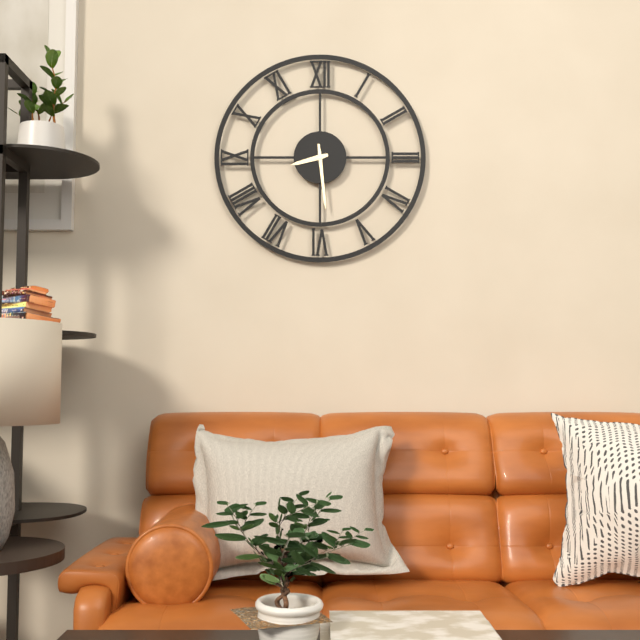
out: 8:29
